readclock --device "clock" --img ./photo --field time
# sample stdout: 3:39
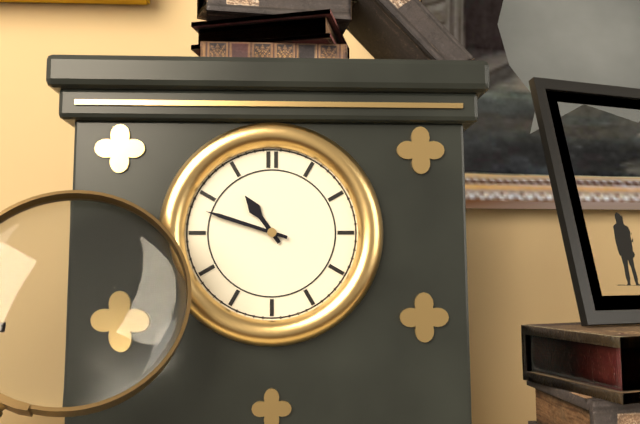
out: 10:48
